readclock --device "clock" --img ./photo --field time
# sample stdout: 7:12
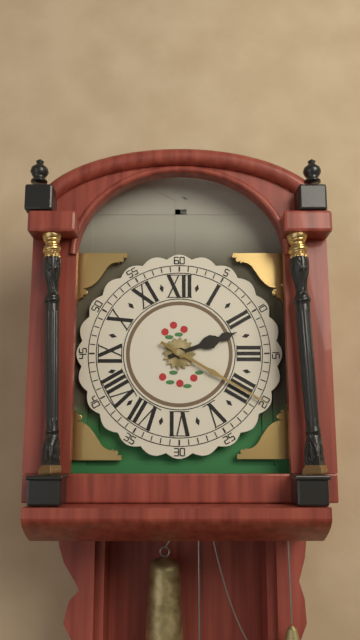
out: 2:20
